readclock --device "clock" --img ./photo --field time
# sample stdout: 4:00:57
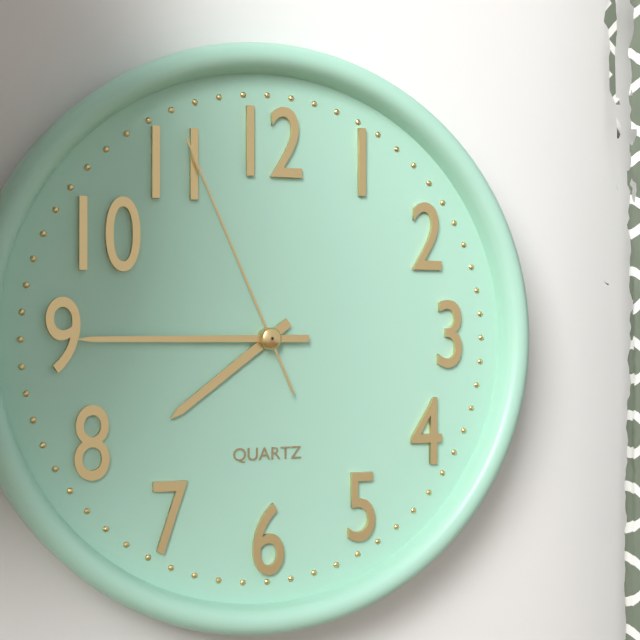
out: 7:45:56
